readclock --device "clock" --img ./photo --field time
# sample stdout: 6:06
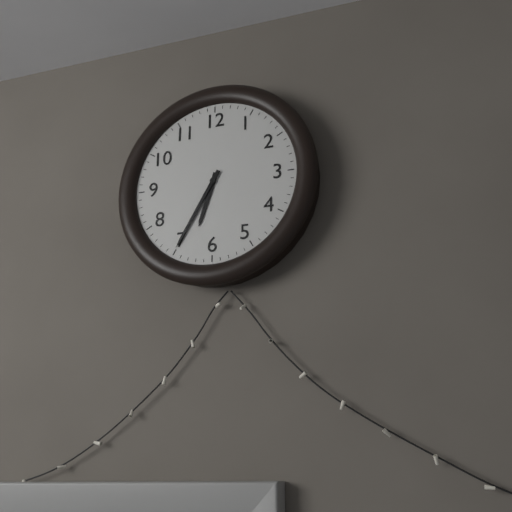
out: 6:35
